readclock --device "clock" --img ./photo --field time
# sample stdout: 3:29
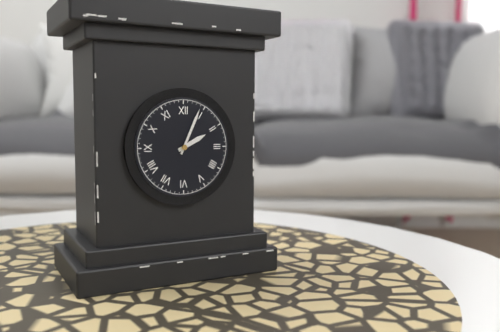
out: 2:04
